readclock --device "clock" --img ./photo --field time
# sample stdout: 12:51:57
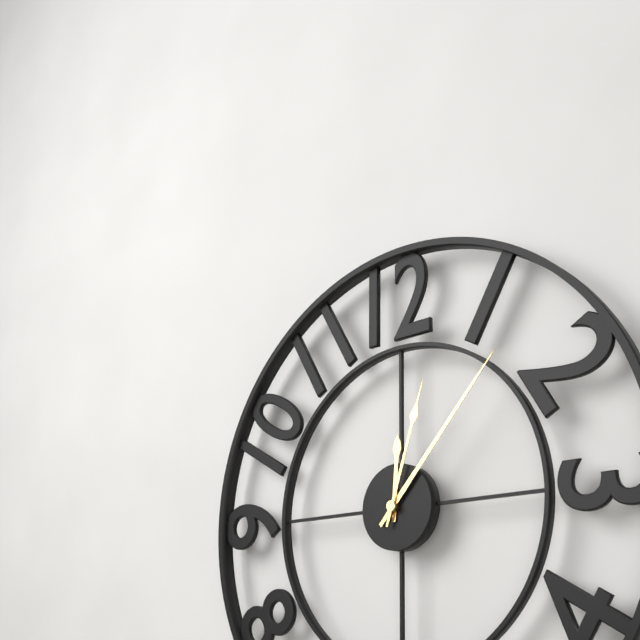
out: 12:07:03
